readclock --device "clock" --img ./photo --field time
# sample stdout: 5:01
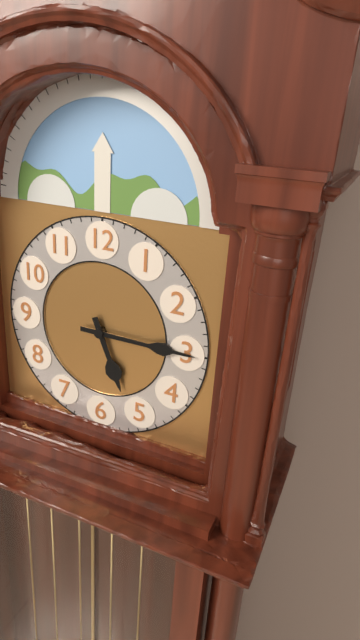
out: 5:15
